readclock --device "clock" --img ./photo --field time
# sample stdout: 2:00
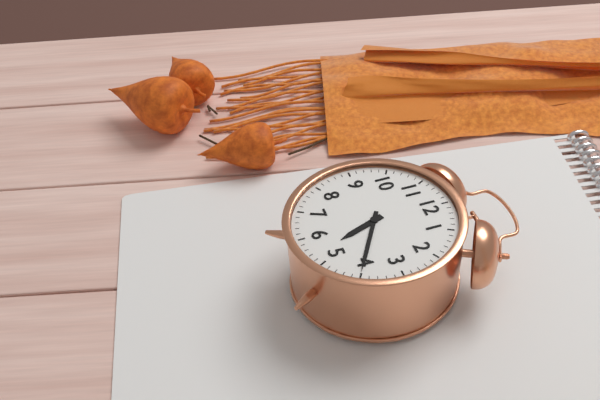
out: 5:20
